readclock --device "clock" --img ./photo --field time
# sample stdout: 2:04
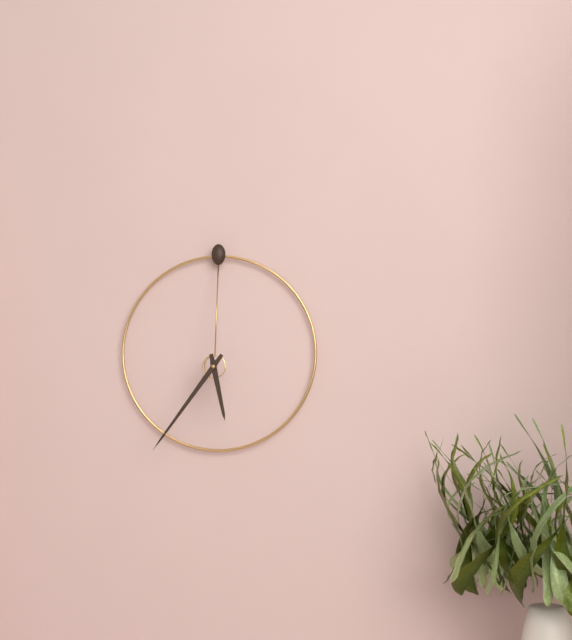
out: 5:36
